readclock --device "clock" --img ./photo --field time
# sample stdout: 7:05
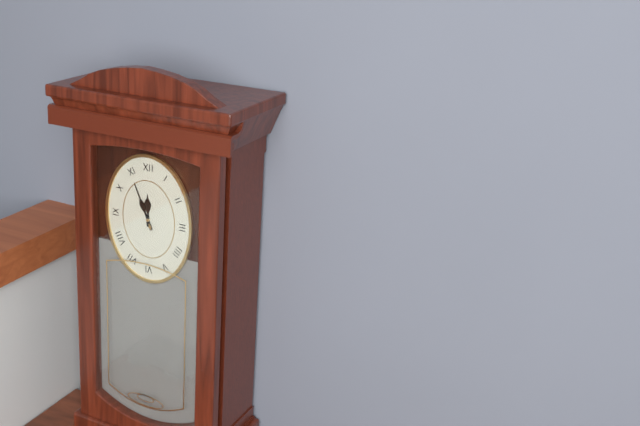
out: 11:56
